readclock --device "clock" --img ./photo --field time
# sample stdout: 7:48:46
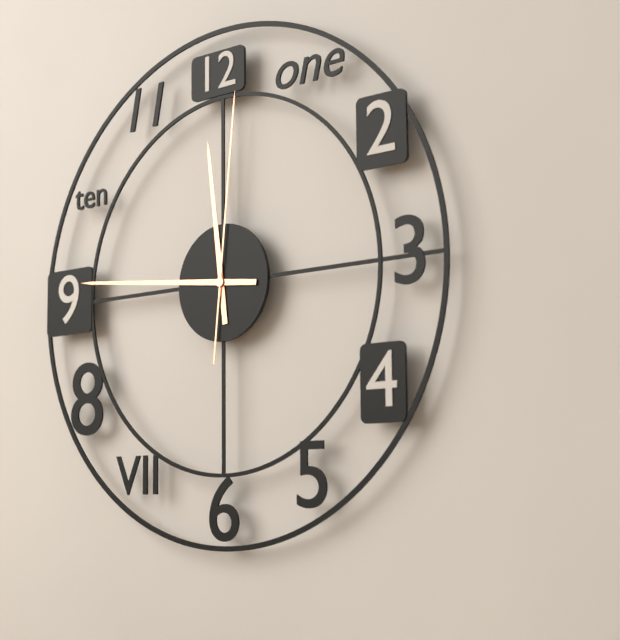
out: 11:46:01
